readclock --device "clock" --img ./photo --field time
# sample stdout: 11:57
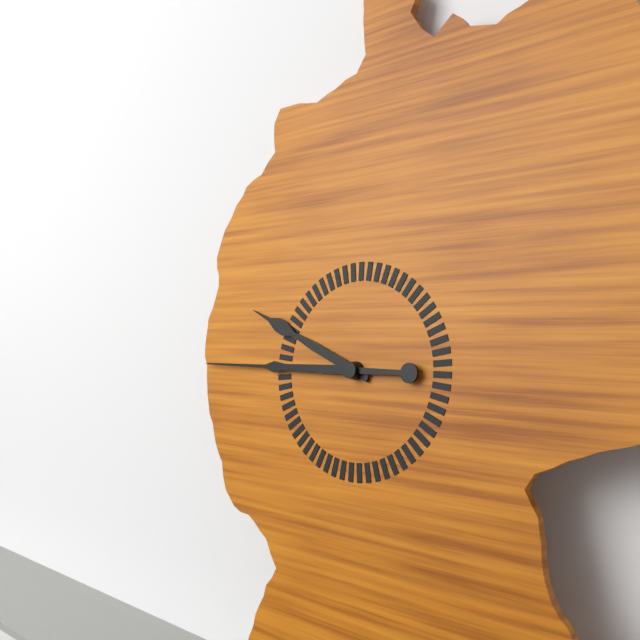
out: 9:45
